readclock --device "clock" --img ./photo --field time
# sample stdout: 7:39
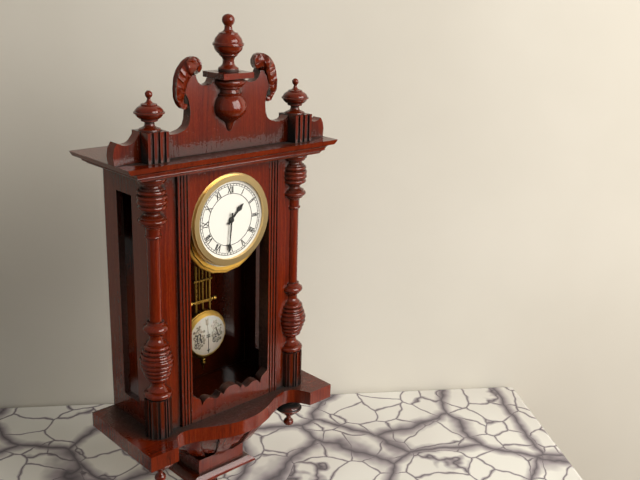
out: 1:31
